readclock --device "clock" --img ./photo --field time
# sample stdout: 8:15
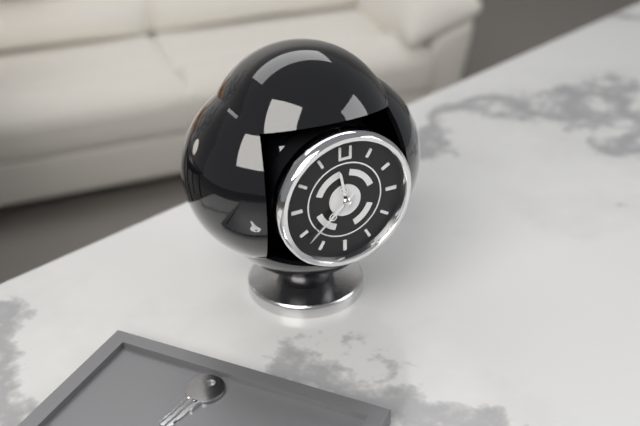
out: 11:38
